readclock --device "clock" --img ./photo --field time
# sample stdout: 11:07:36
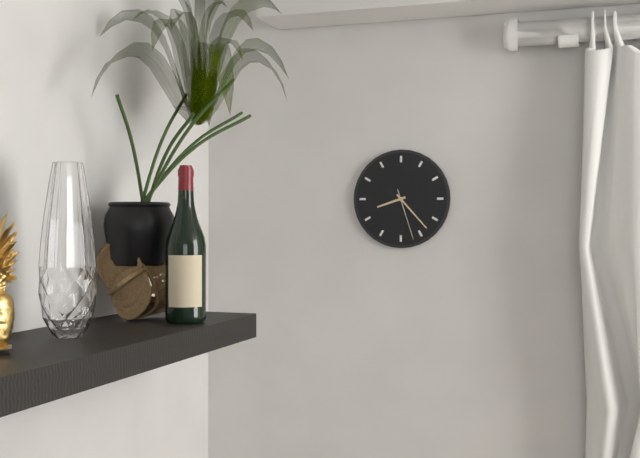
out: 8:23:27
